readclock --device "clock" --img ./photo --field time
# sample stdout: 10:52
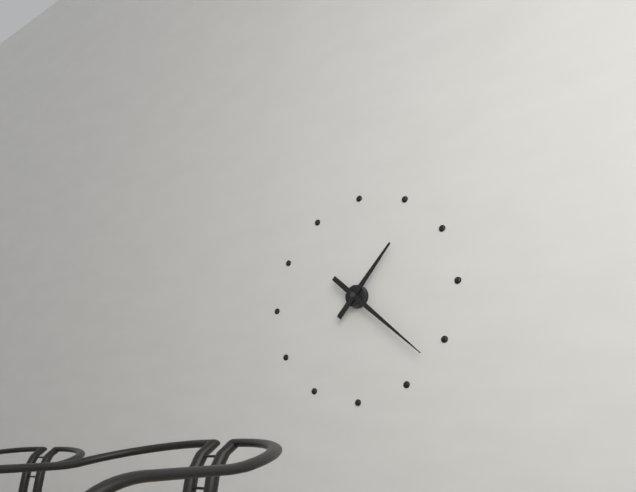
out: 1:22
